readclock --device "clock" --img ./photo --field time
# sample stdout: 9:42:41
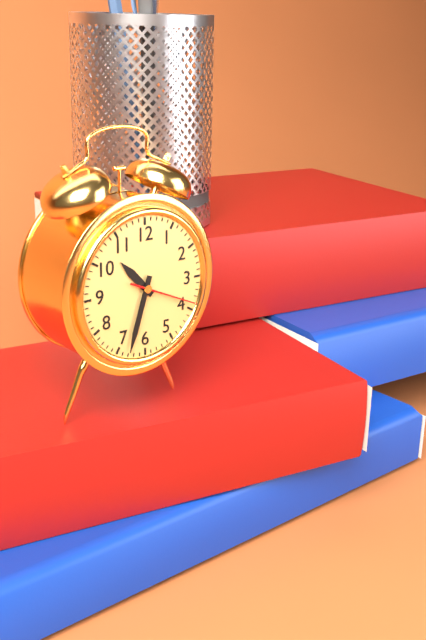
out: 10:33:19
